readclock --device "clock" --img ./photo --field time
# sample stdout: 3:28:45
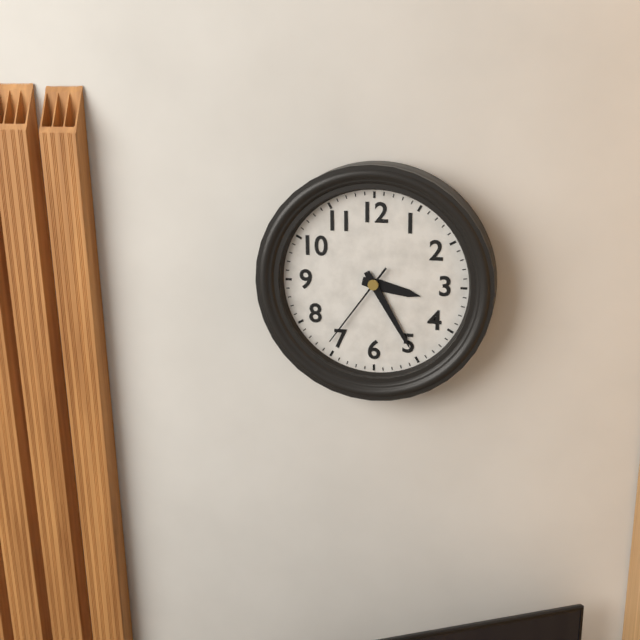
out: 3:25:36
